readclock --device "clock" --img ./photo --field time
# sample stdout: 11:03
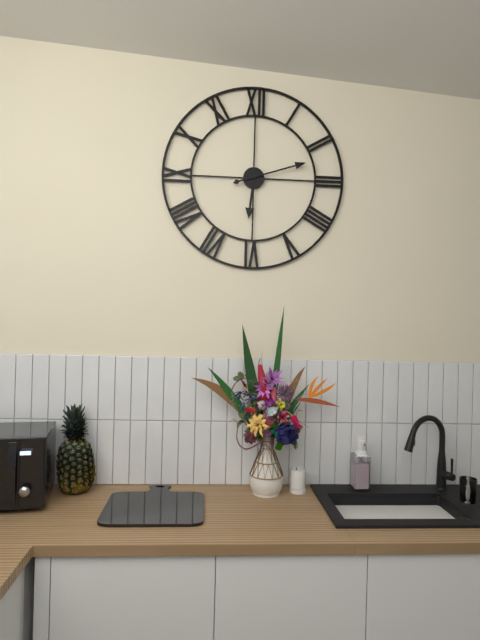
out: 6:12
